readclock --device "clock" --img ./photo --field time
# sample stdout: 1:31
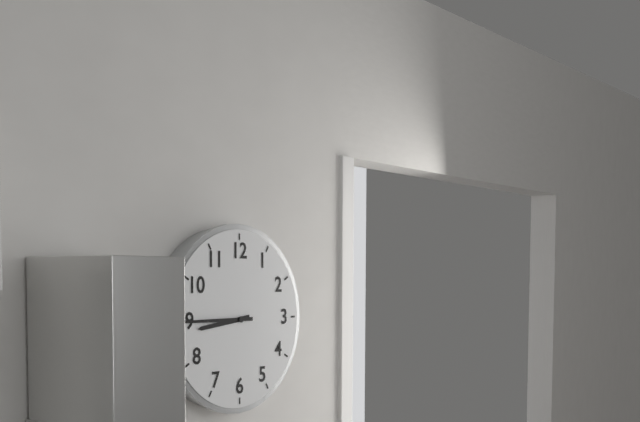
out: 8:45
